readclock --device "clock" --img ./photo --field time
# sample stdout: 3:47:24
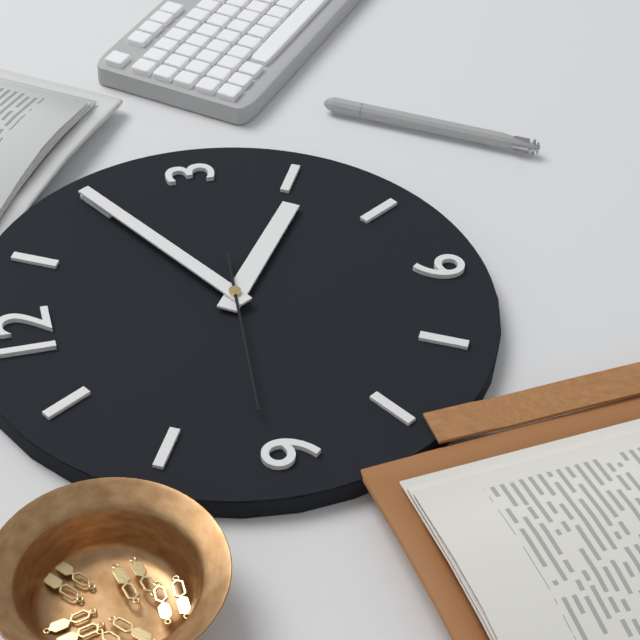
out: 4:10:46
